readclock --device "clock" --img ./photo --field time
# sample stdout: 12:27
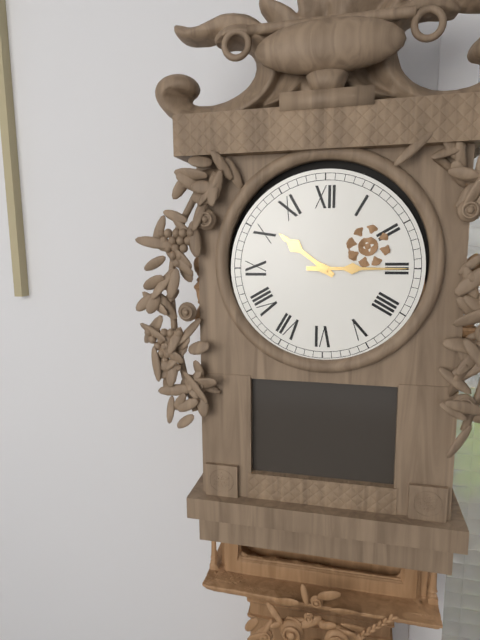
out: 10:15
